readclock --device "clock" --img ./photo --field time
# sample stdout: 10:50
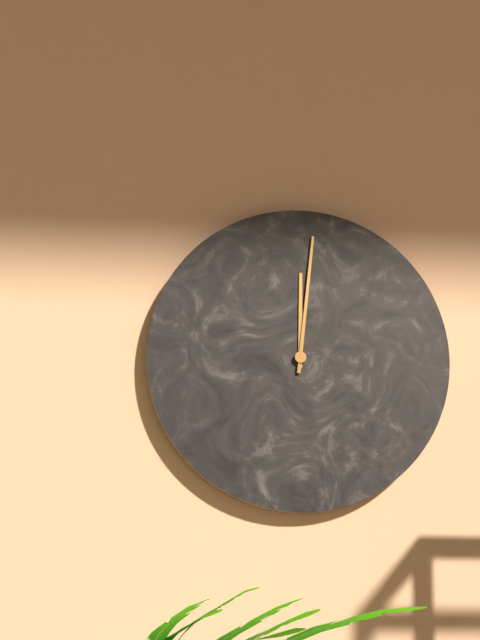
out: 12:01
